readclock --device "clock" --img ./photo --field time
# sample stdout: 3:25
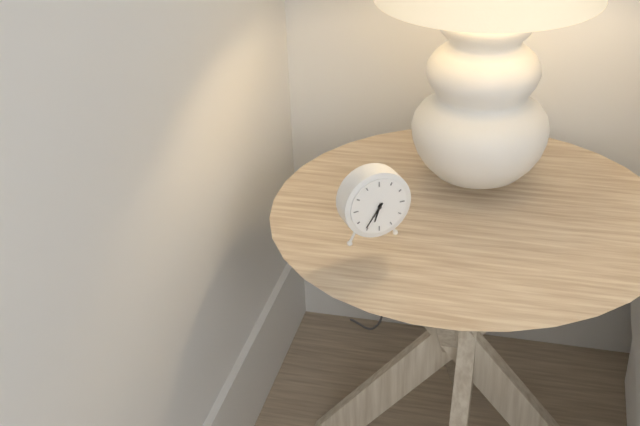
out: 6:36
